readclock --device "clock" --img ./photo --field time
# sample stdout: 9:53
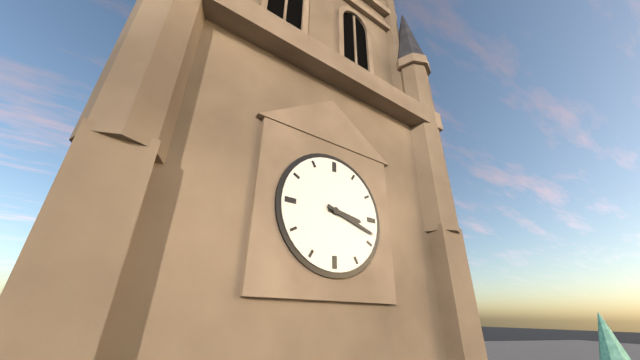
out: 3:18
